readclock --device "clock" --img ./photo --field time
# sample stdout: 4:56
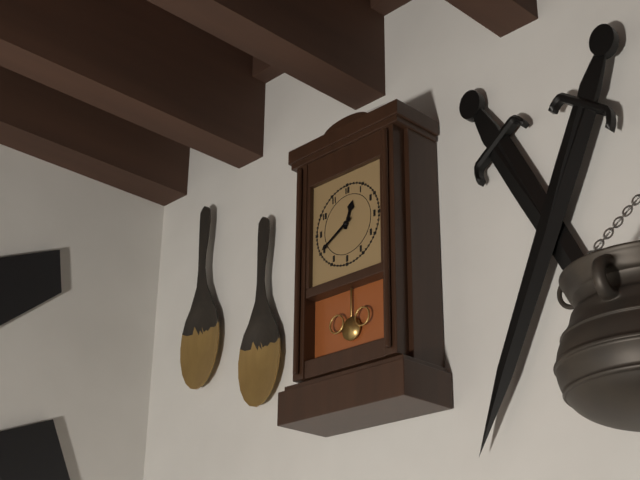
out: 12:40
